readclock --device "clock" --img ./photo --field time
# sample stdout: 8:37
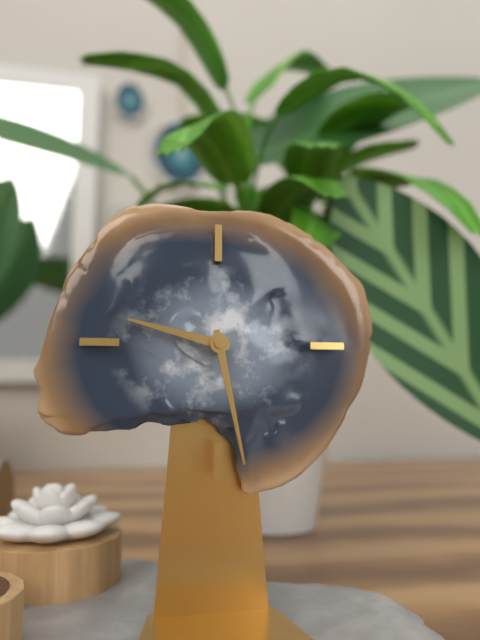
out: 9:28
